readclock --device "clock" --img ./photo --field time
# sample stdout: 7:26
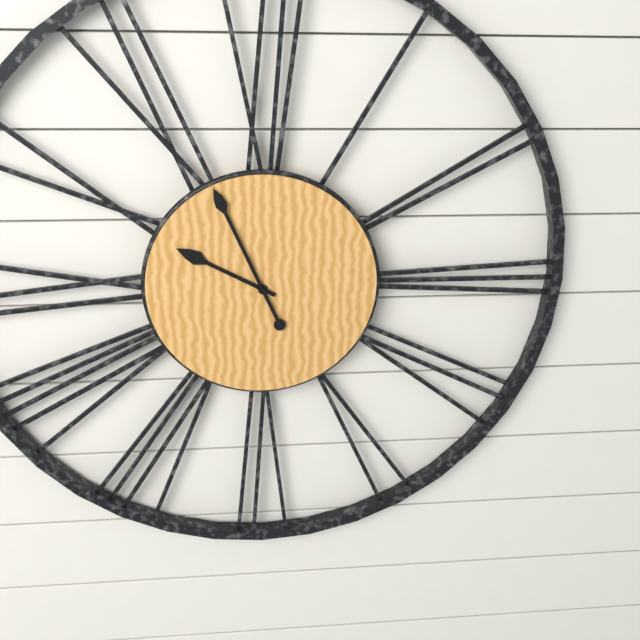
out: 9:56
